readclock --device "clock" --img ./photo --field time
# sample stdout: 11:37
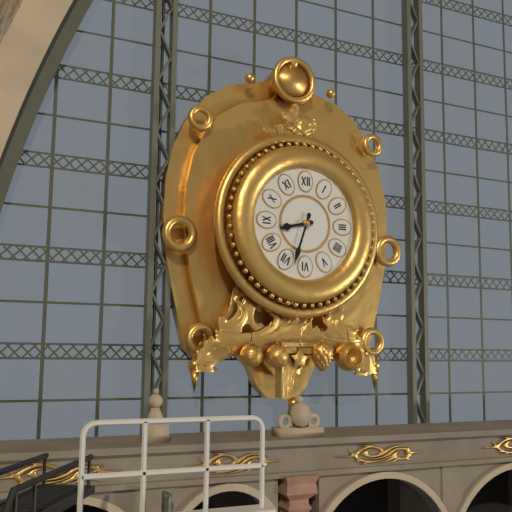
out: 8:33
